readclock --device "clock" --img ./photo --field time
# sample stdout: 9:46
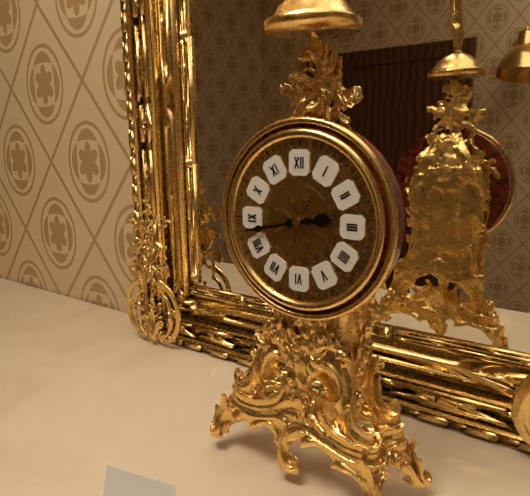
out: 2:43
